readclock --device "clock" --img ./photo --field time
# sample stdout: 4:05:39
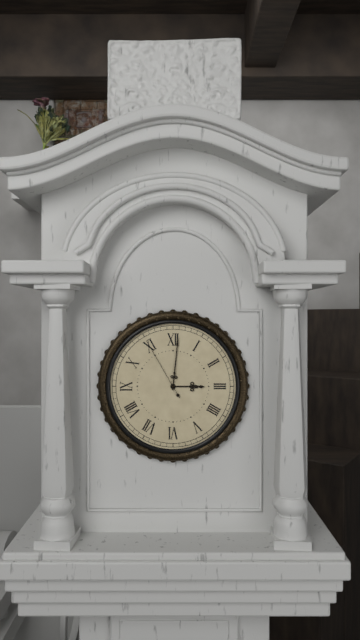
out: 3:01:55
